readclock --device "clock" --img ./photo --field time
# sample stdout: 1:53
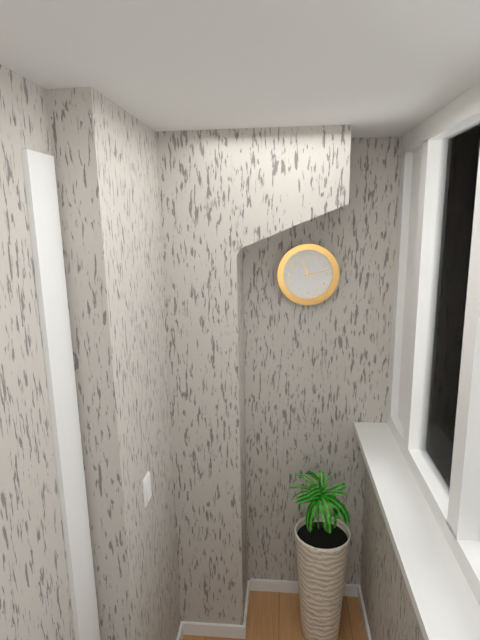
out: 11:13
